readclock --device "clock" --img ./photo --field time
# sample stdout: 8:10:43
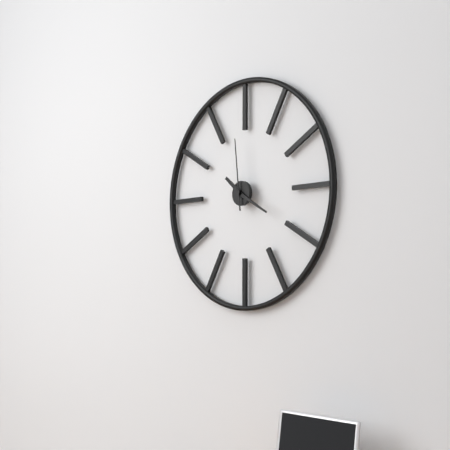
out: 10:20:59
